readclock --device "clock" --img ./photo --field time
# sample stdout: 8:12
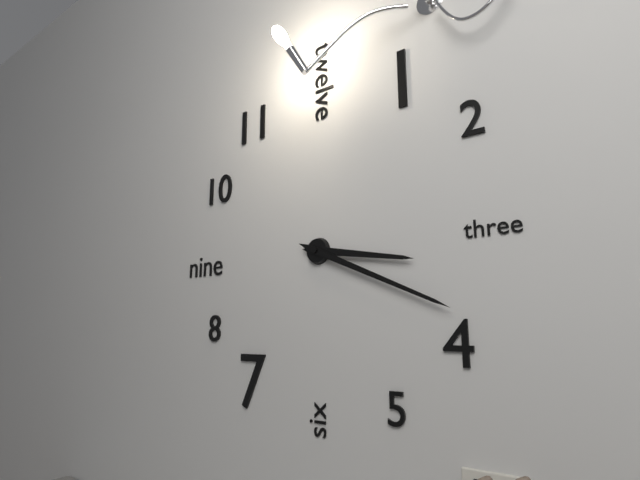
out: 3:19
